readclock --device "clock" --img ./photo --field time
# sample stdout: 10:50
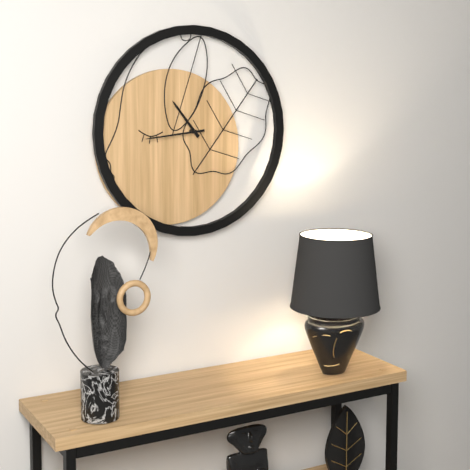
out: 10:44
